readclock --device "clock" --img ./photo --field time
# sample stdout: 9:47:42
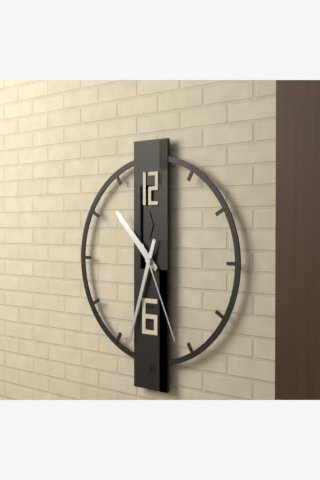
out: 10:33:26
